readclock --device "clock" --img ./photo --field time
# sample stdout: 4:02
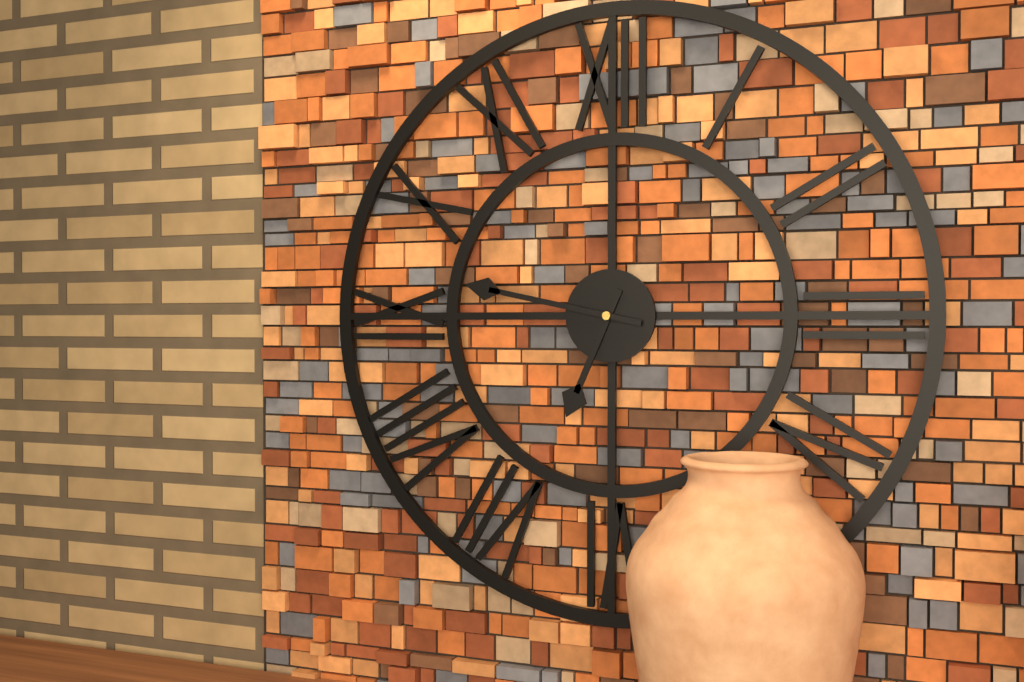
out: 6:47
